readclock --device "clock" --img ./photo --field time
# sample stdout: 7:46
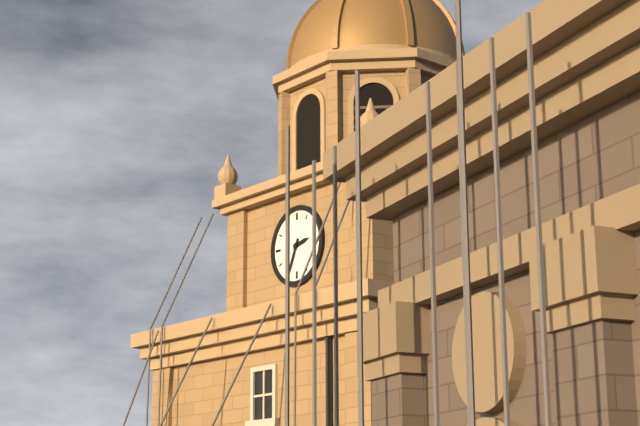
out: 2:34
